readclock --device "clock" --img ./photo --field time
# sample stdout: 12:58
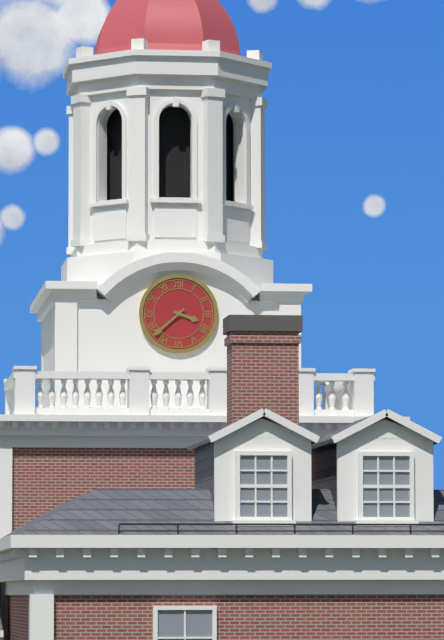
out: 3:38
